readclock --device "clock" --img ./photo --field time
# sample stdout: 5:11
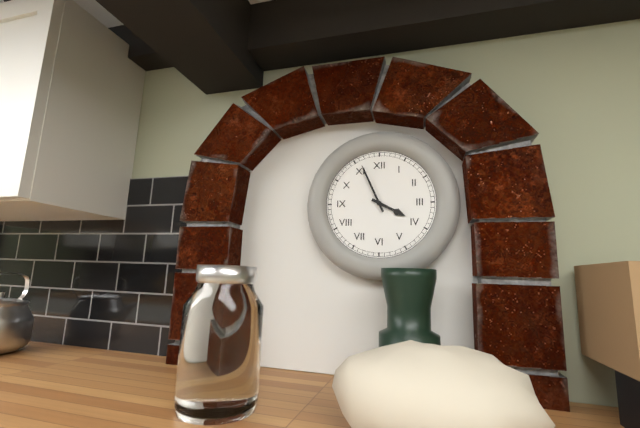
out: 3:56
